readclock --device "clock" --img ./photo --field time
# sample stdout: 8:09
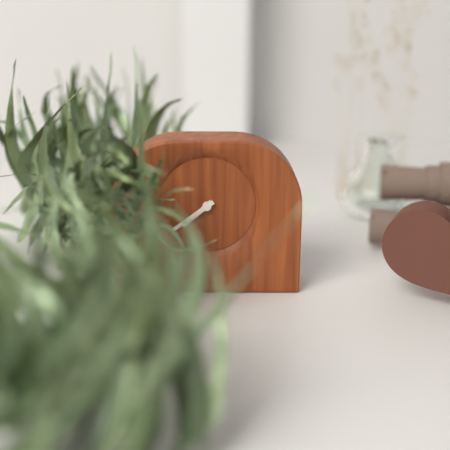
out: 7:39
